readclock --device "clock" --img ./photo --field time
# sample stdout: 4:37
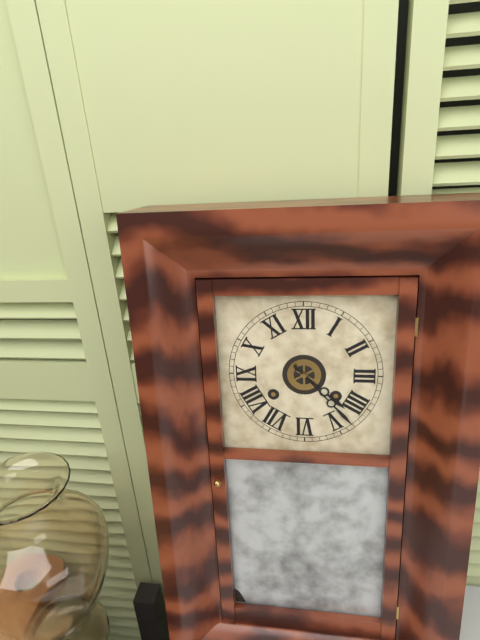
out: 4:23
